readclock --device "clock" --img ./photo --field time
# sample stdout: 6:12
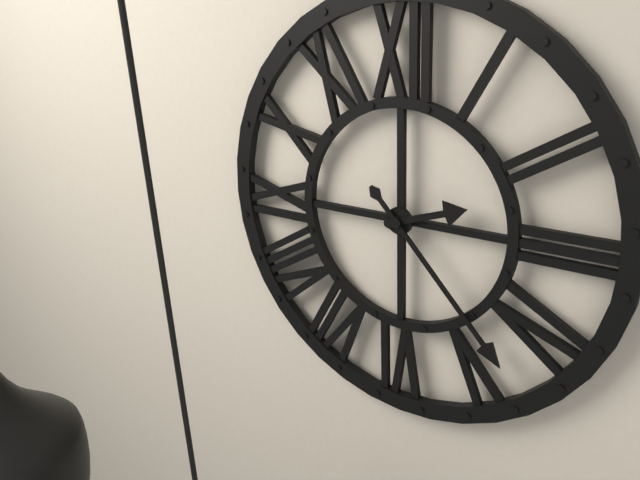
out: 2:23
